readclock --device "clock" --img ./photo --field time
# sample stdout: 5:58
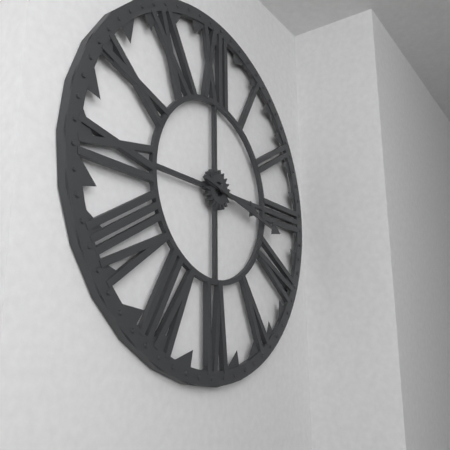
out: 3:17
